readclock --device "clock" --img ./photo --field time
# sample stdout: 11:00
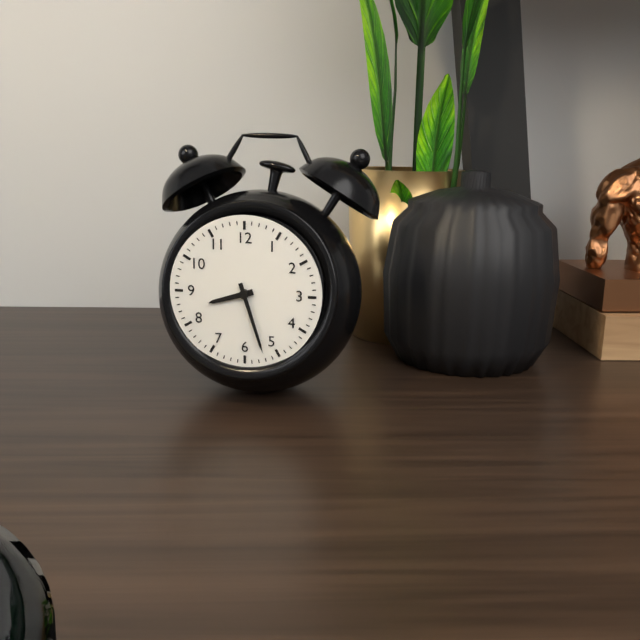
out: 8:27
